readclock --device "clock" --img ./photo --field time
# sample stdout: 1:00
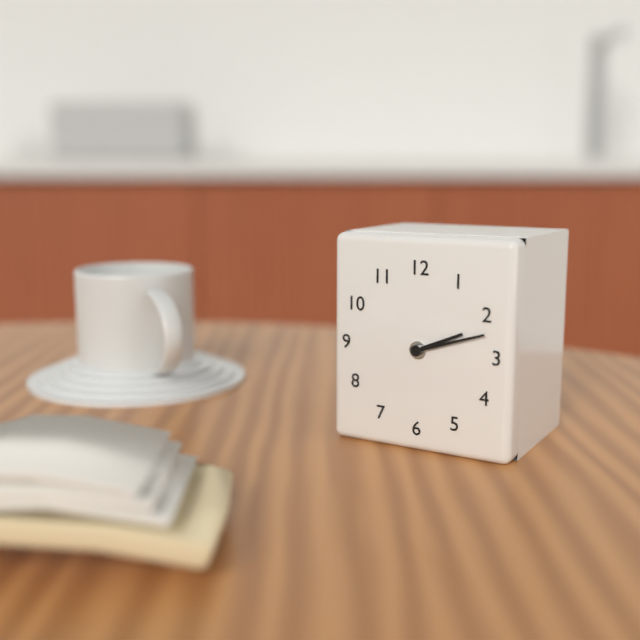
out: 2:12
